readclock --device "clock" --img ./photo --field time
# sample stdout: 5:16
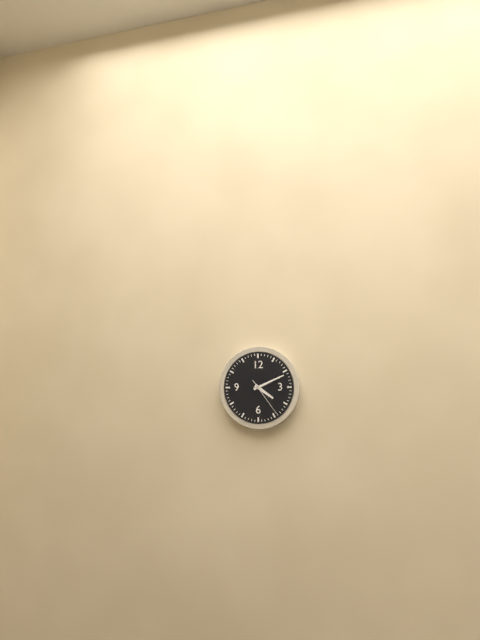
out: 4:11
